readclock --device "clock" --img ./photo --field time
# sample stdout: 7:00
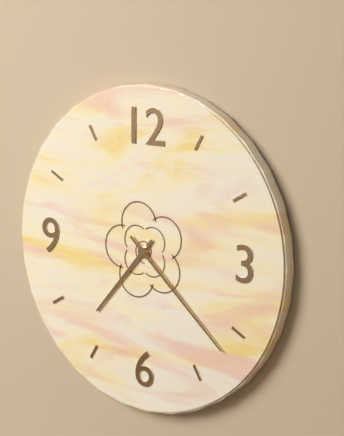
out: 7:22
